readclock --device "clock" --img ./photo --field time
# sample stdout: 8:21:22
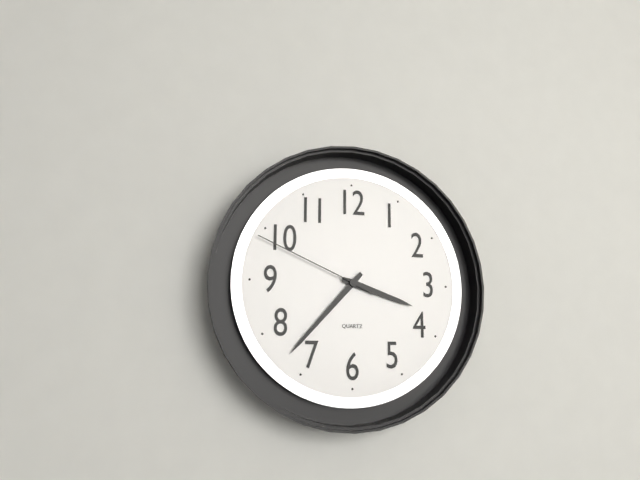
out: 3:37:49
